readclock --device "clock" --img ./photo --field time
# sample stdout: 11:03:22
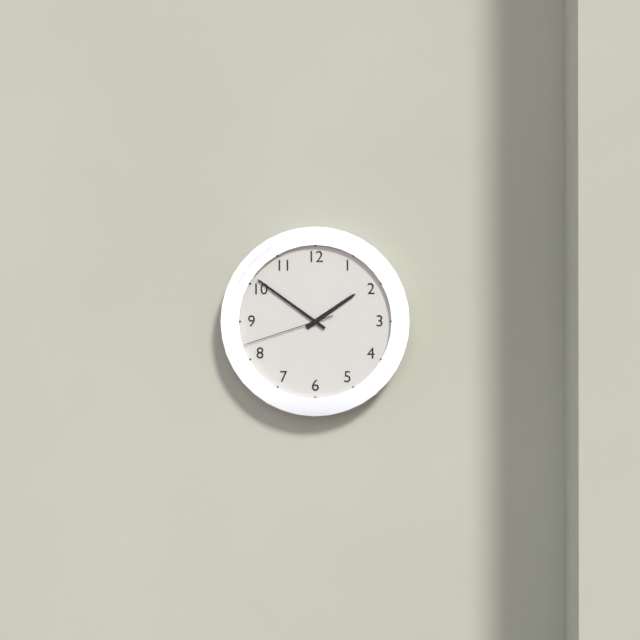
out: 1:51:42
